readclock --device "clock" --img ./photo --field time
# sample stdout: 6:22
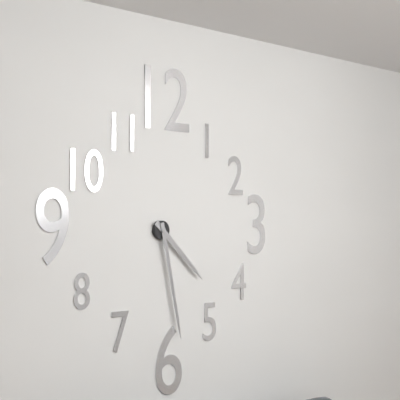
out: 4:28
